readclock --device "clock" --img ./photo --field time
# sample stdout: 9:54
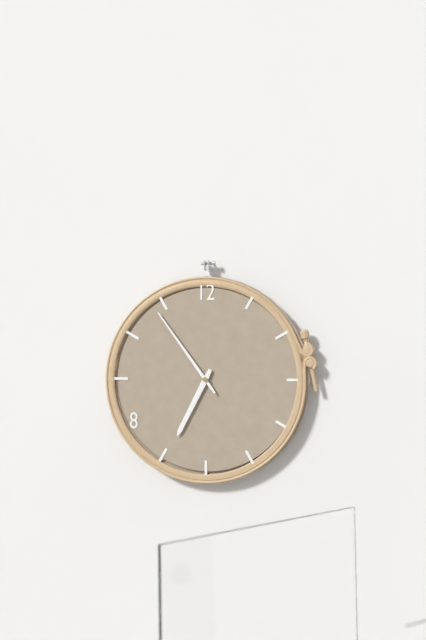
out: 6:54
